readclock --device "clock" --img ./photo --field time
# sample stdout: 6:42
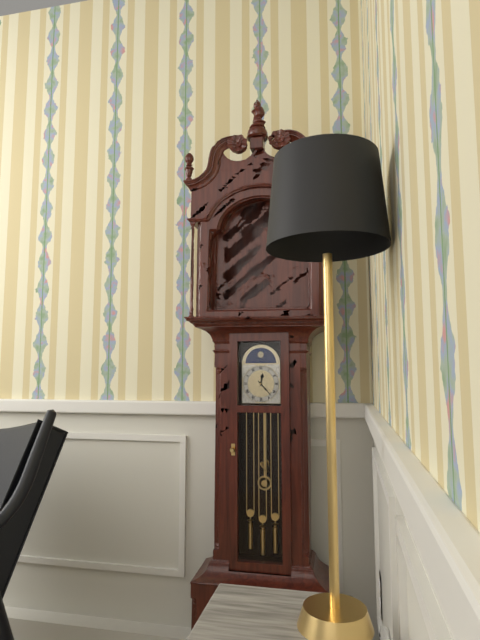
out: 12:23
